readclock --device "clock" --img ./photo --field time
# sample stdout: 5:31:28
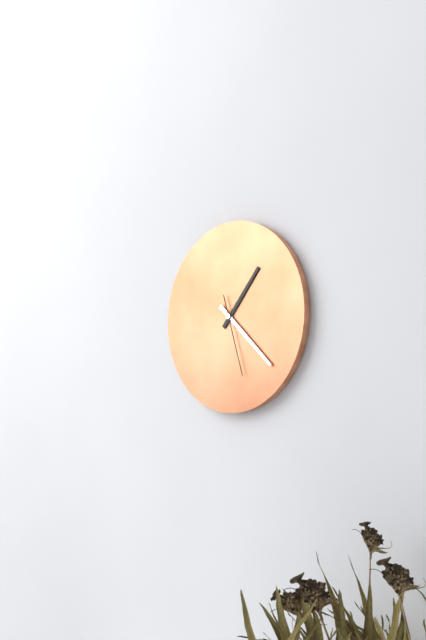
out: 1:22:27
